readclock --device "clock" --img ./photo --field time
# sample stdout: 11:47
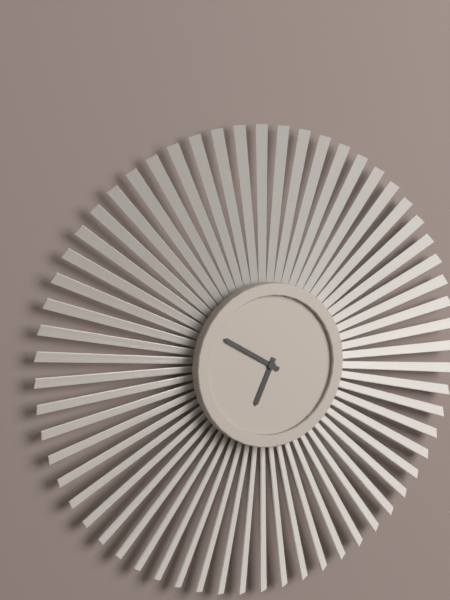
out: 6:50
